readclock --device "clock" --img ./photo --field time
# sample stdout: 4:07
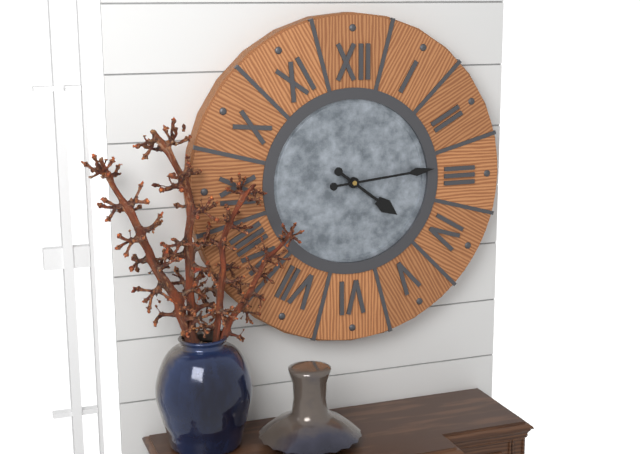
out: 4:14
